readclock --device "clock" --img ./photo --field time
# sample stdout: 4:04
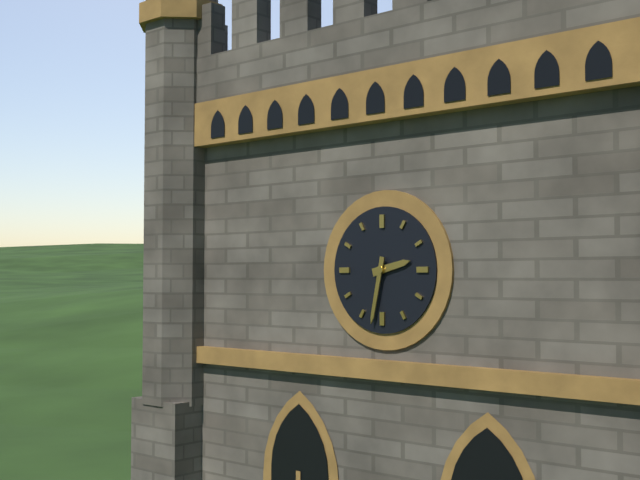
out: 2:32
